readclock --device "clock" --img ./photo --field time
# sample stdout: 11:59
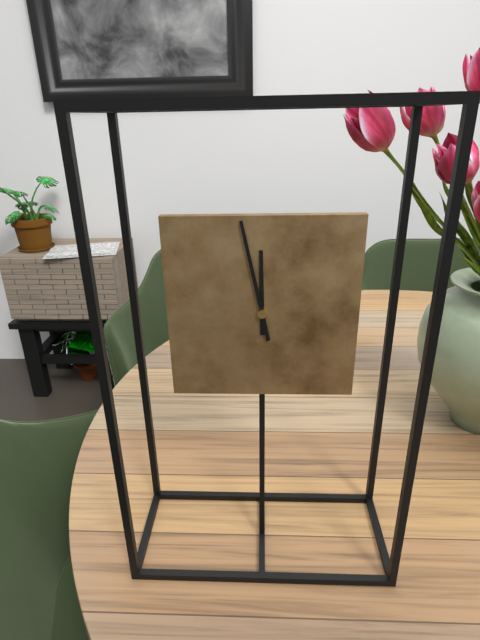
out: 11:58
